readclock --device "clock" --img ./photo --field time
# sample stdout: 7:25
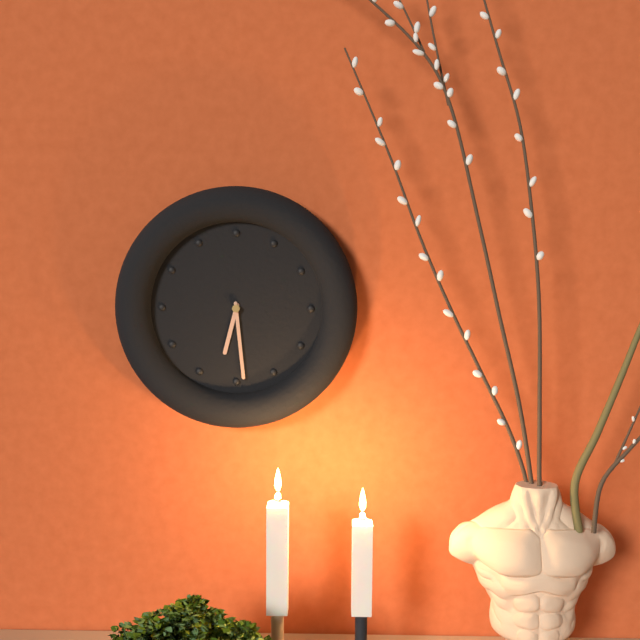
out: 6:29
